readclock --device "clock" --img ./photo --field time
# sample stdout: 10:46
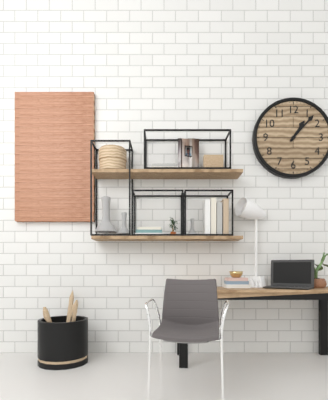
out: 1:07
